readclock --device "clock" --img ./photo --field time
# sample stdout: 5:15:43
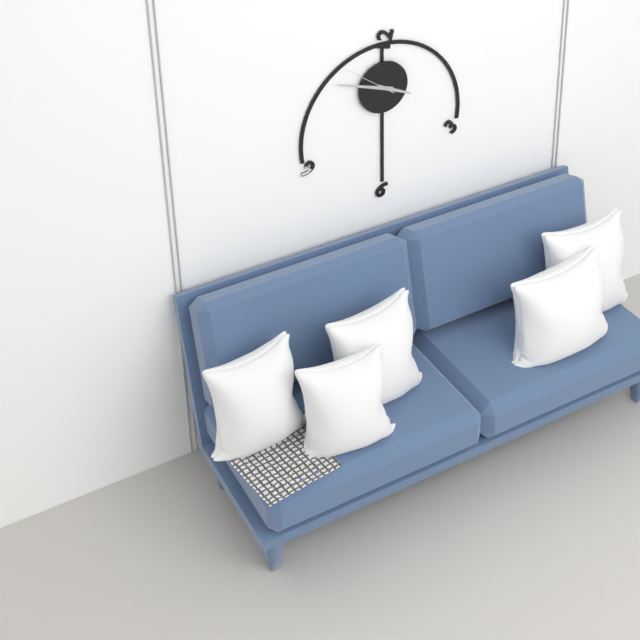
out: 3:48:51
